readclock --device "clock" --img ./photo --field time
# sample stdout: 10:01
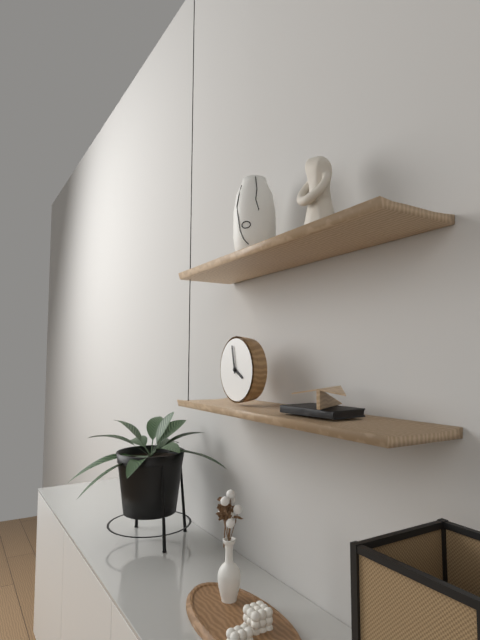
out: 3:58
